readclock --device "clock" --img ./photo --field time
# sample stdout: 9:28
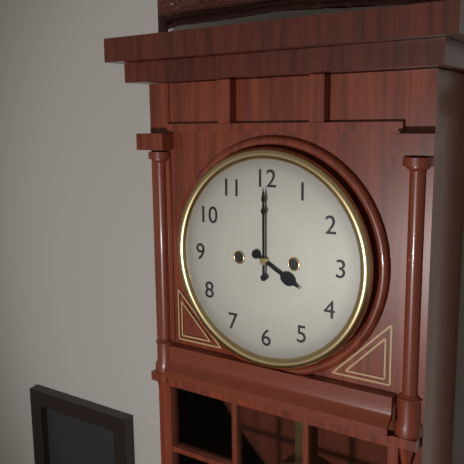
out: 4:00
